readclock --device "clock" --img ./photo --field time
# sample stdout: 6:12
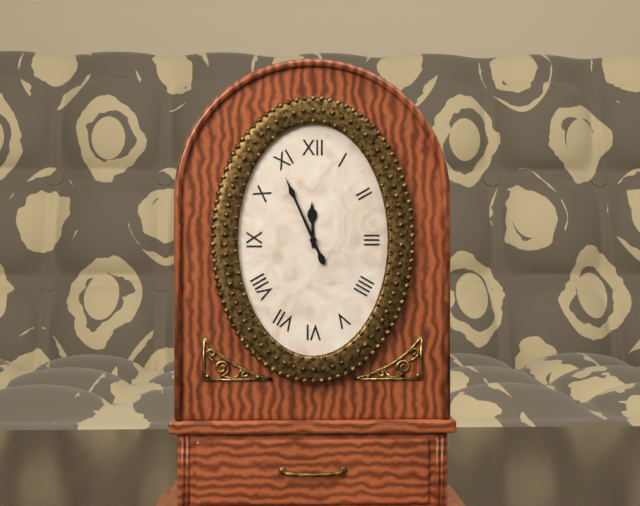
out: 11:56
